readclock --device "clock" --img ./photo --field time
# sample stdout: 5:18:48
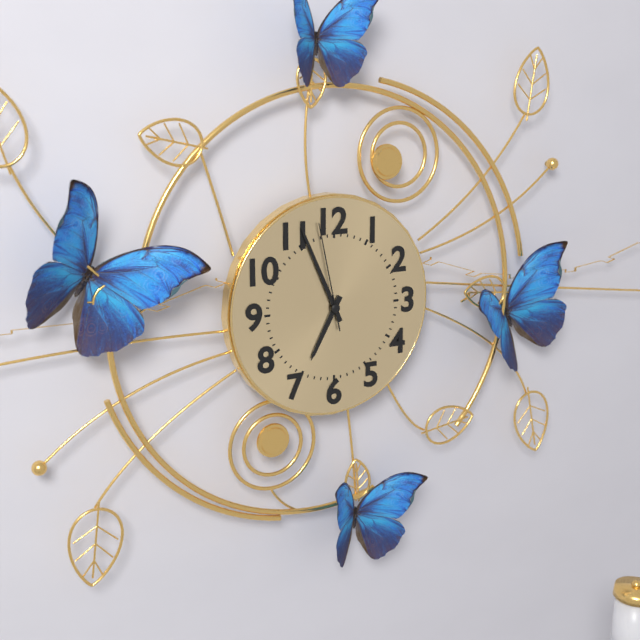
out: 6:56:58
